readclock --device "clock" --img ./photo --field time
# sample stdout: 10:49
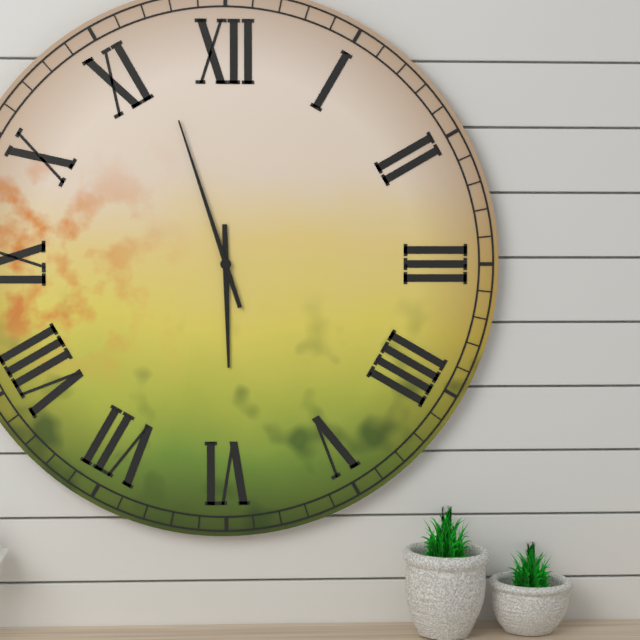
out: 5:57
